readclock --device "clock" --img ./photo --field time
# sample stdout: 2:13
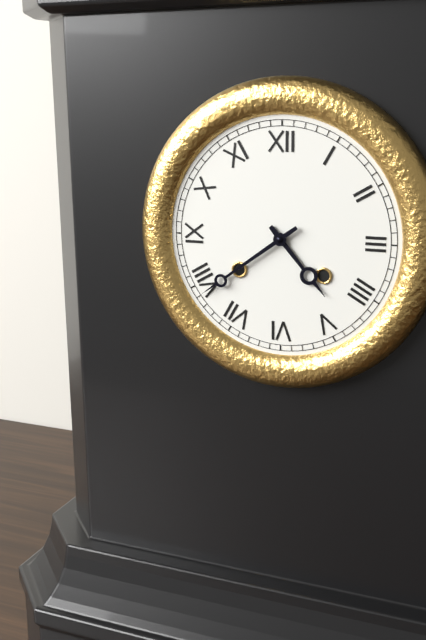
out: 4:39
